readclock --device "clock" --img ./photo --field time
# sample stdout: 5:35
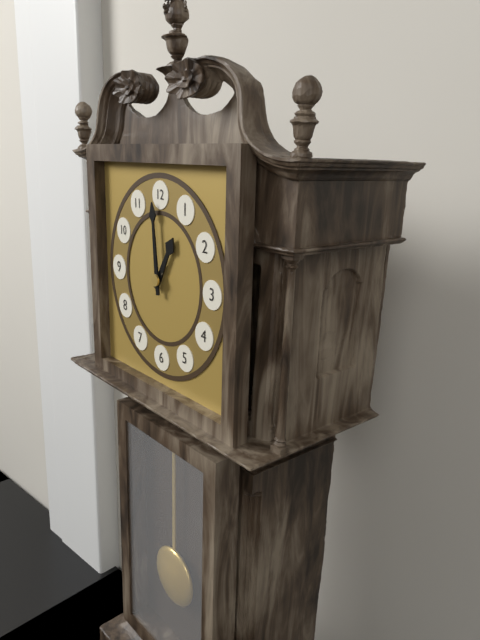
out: 12:59
